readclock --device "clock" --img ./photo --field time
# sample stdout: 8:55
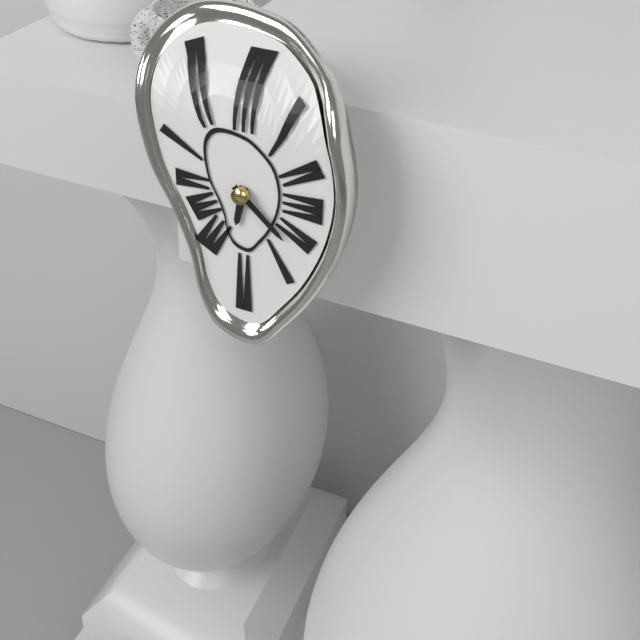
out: 6:22
